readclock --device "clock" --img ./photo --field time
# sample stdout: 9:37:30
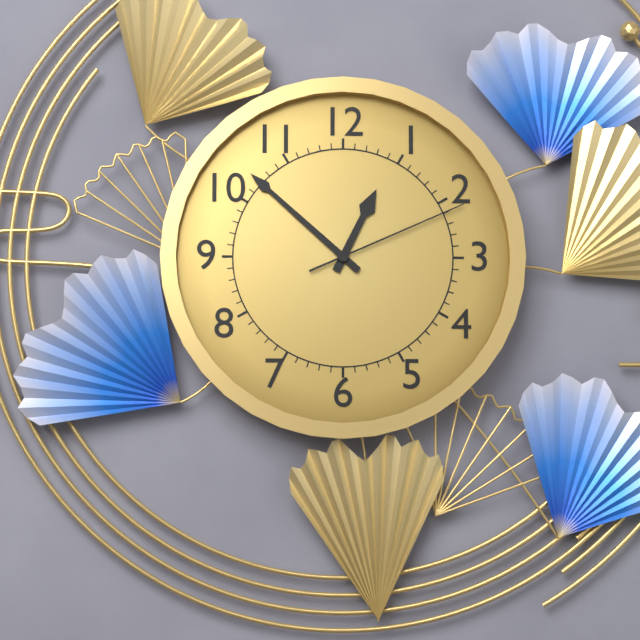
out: 12:52:11
